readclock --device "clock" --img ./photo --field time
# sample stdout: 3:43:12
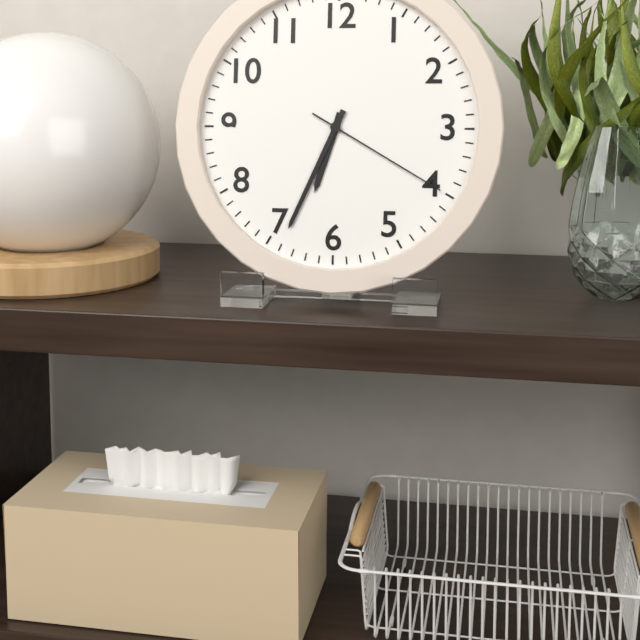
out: 6:34:20
